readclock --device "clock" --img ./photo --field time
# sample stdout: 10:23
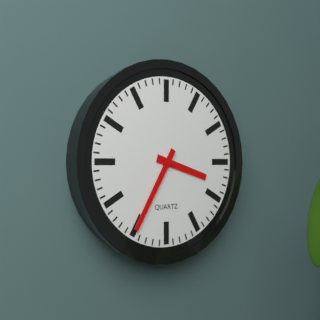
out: 3:35
